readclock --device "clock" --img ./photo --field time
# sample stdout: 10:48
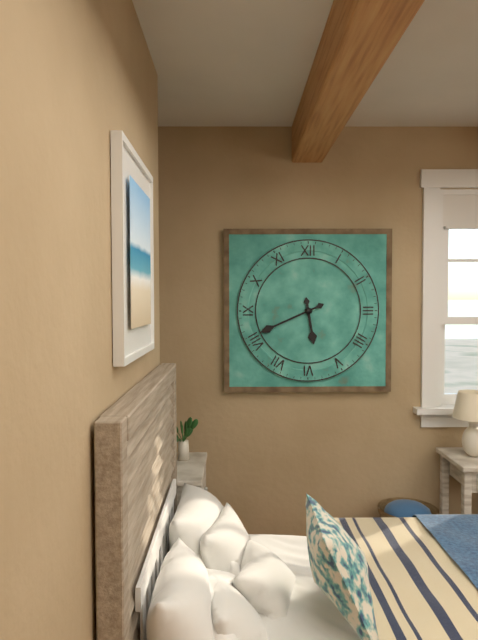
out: 5:41
